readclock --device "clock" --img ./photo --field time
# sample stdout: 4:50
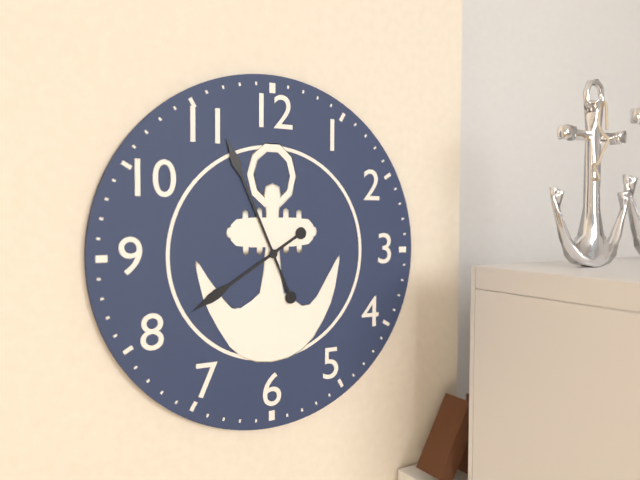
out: 7:56
